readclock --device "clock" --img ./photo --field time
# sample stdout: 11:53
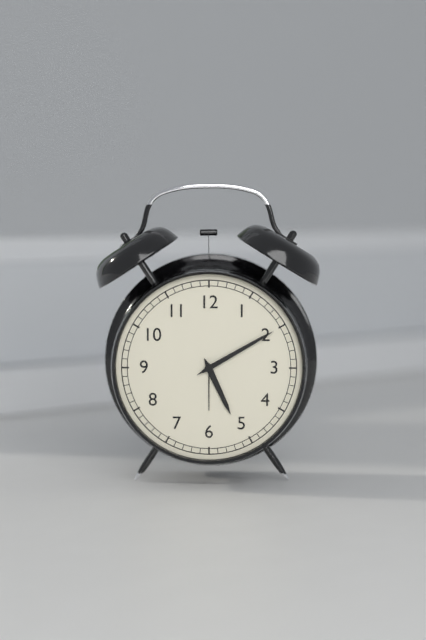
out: 5:10
